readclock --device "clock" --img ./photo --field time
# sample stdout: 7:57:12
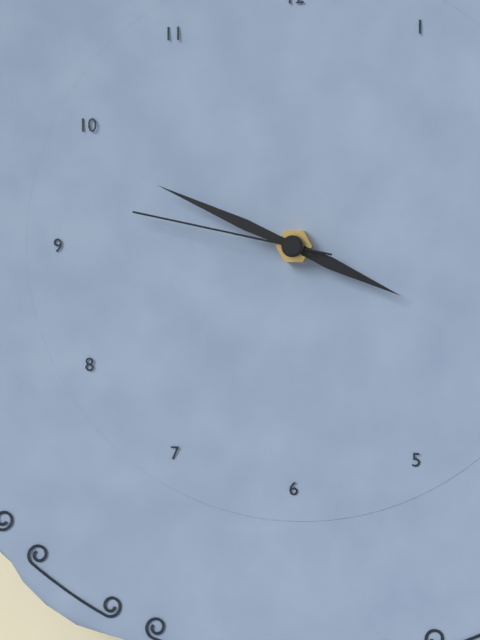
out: 3:49:47
